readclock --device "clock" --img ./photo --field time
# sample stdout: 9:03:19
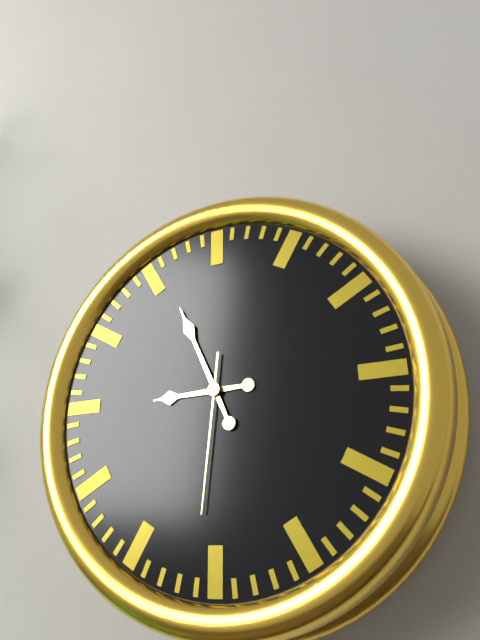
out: 8:56:31
